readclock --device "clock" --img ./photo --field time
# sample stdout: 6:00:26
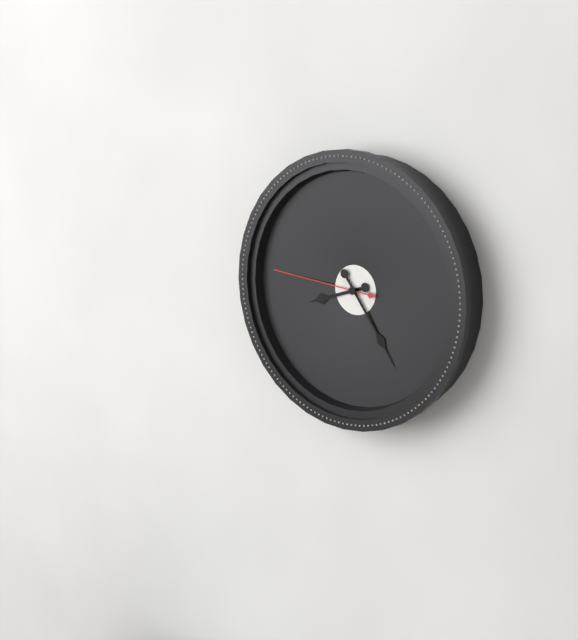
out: 8:24:46
